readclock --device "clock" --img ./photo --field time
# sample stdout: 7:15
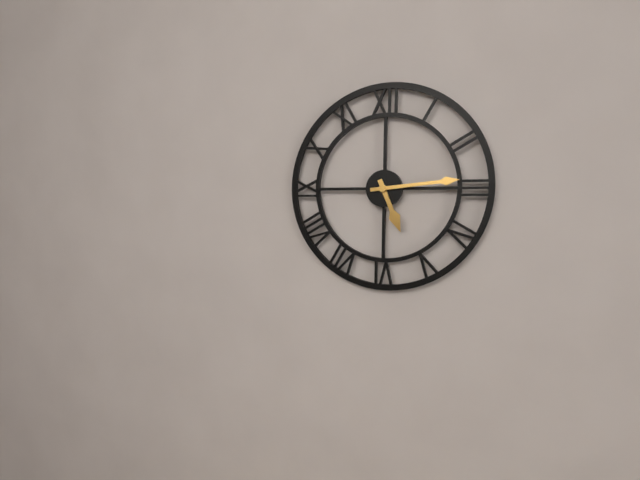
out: 5:14
